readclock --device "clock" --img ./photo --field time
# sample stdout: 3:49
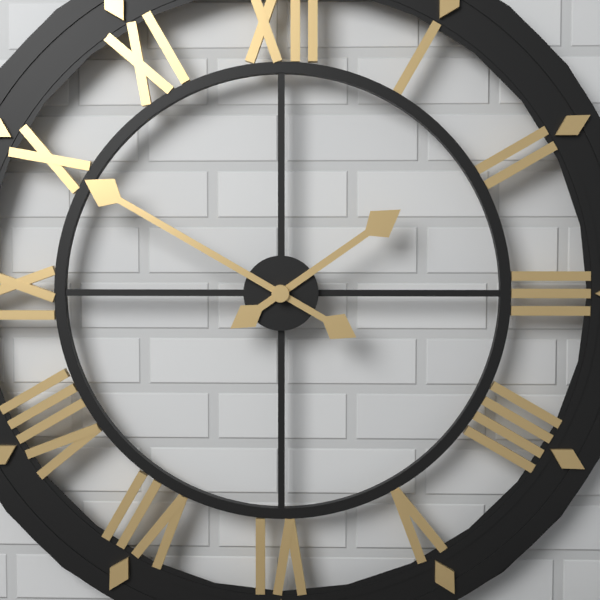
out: 1:50
